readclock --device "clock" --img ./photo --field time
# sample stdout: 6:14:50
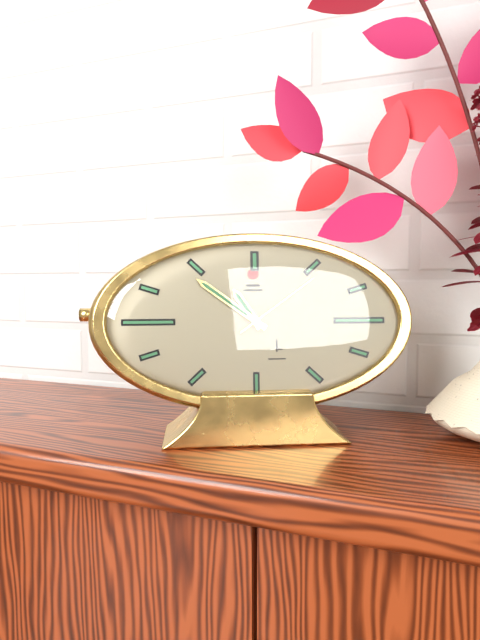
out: 10:51:09
